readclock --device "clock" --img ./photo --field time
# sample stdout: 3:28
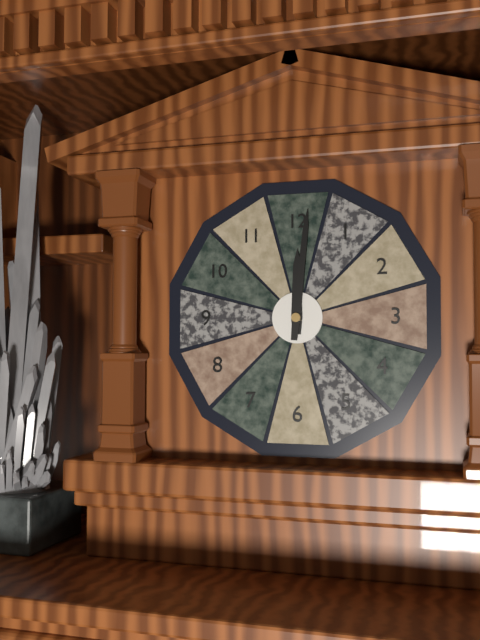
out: 12:01
